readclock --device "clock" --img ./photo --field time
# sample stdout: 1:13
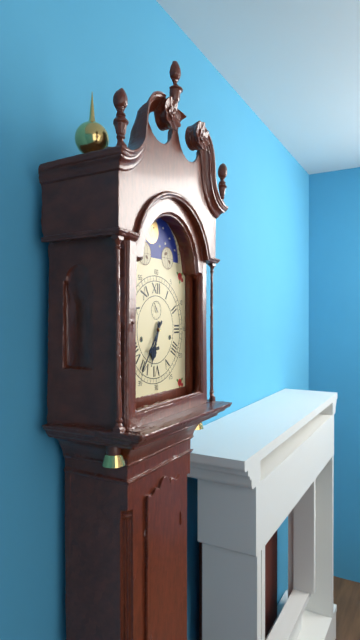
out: 6:36
